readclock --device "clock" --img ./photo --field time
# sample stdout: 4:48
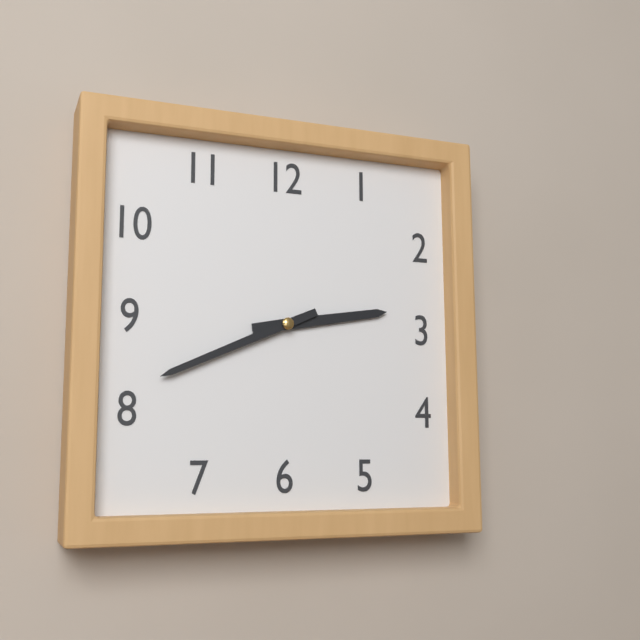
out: 2:41
